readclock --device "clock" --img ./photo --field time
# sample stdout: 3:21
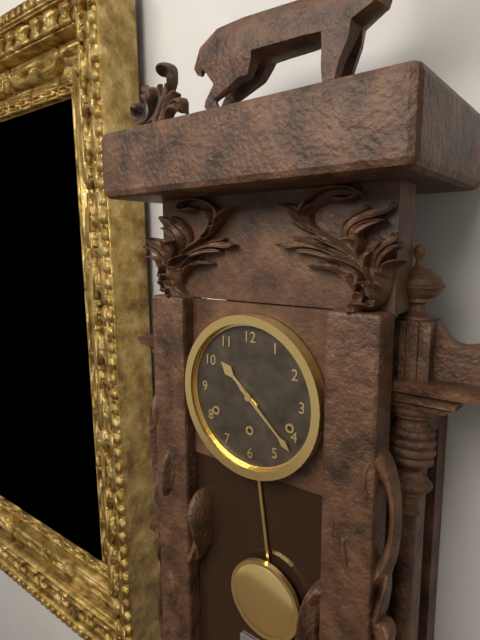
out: 10:22
